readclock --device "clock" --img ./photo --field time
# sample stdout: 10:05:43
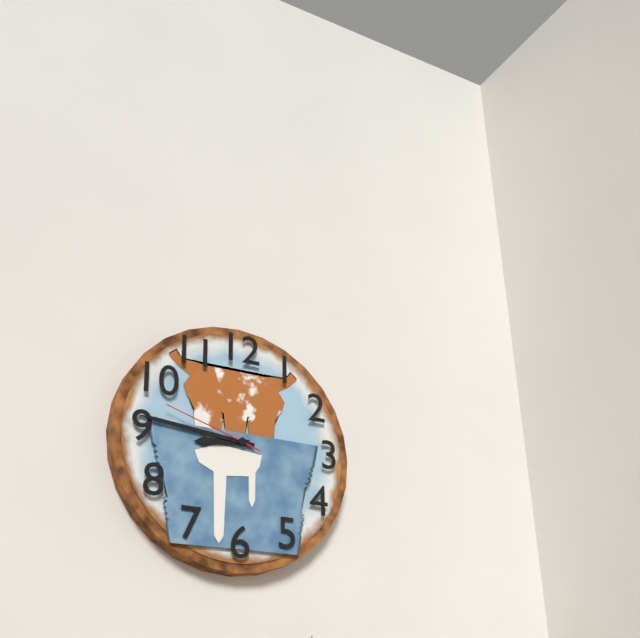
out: 8:46:48
